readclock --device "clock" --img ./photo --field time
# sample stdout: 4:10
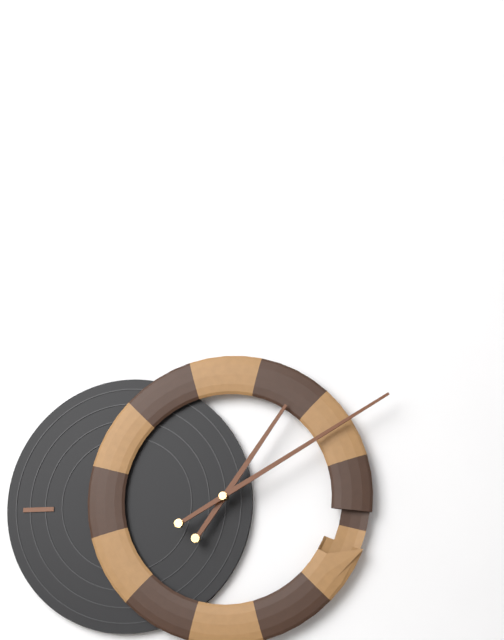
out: 1:10
